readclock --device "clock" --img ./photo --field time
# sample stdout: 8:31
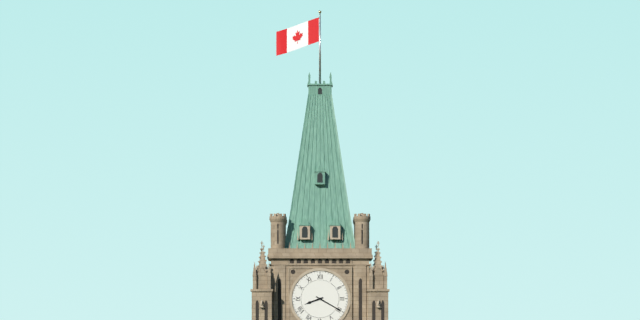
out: 8:20
